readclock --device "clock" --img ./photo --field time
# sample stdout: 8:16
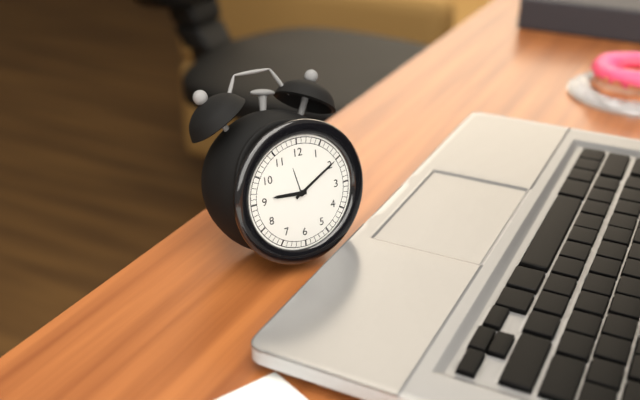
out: 9:10
